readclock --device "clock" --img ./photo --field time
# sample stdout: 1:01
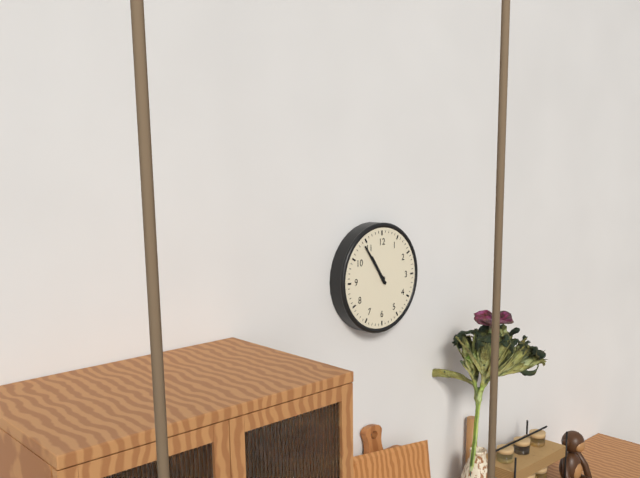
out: 10:54
